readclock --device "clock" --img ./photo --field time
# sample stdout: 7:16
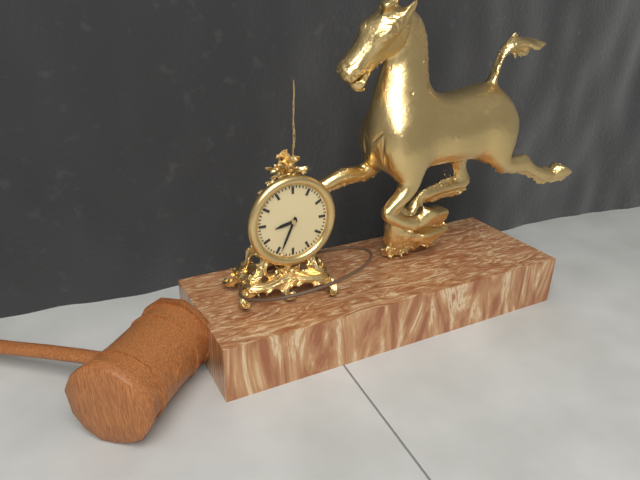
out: 8:34
